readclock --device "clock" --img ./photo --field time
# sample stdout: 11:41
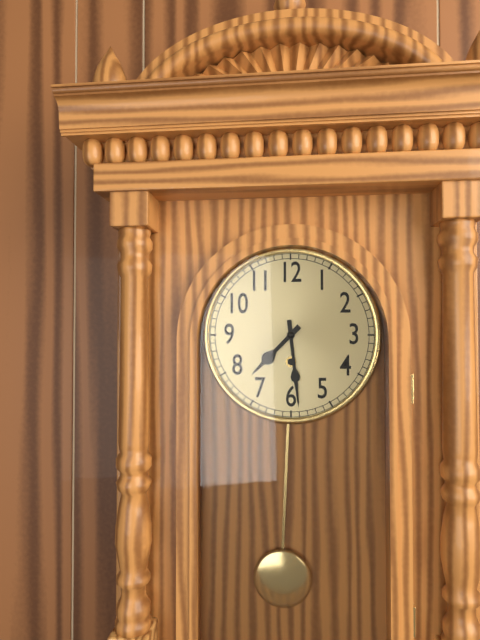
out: 7:29
